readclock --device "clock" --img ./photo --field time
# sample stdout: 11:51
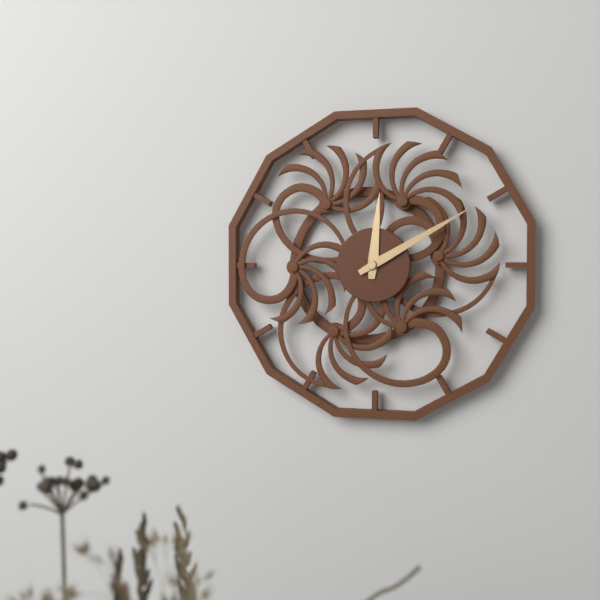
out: 12:10
